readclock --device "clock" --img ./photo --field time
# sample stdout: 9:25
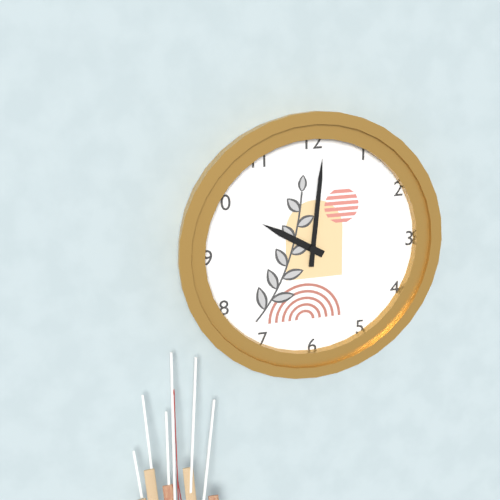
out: 10:01
